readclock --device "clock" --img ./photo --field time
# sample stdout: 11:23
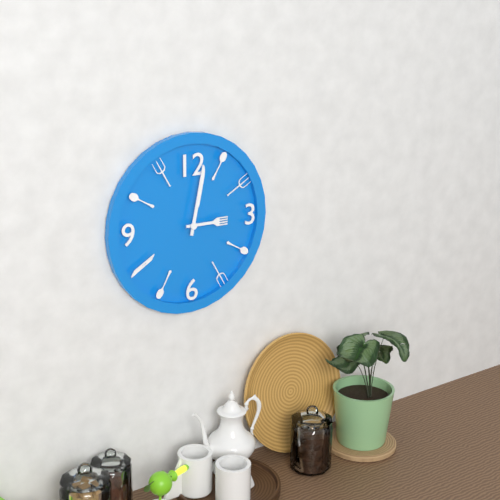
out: 3:02
